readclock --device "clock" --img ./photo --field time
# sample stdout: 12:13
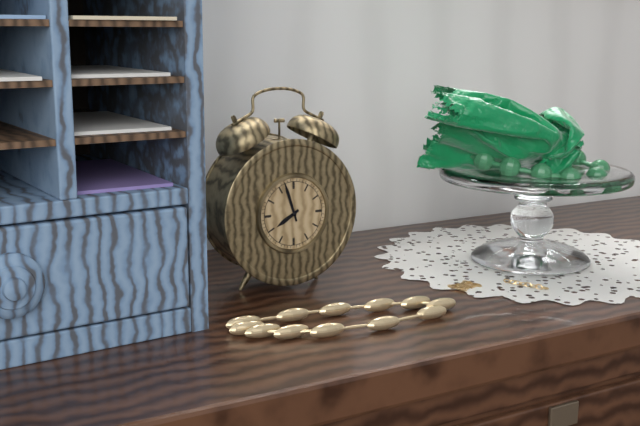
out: 7:57
